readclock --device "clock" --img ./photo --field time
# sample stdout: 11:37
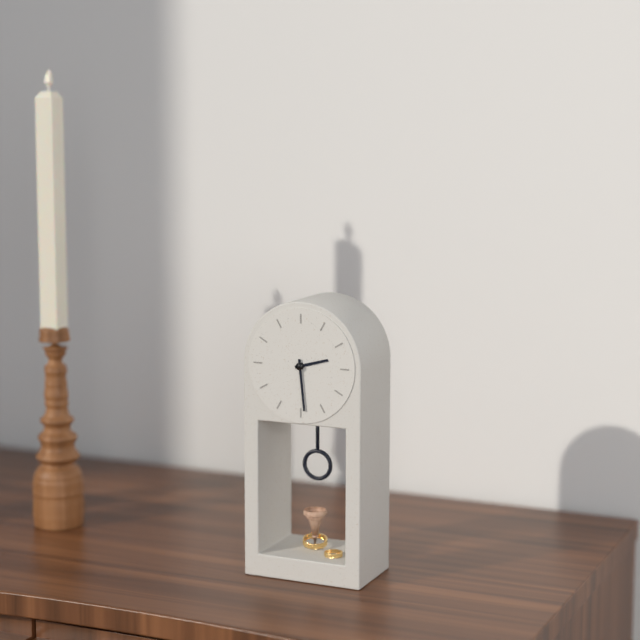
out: 2:29
